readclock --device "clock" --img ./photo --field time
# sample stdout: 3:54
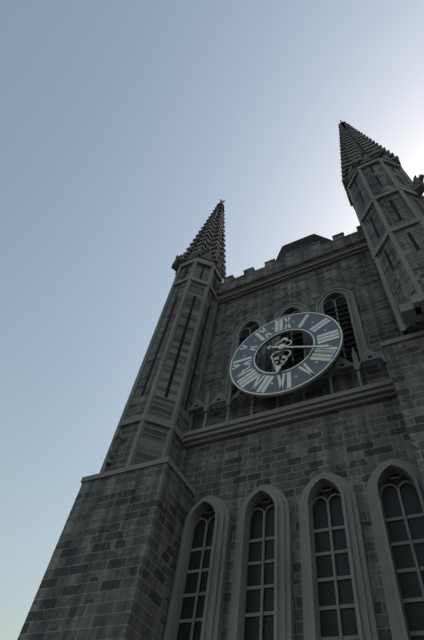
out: 6:19
